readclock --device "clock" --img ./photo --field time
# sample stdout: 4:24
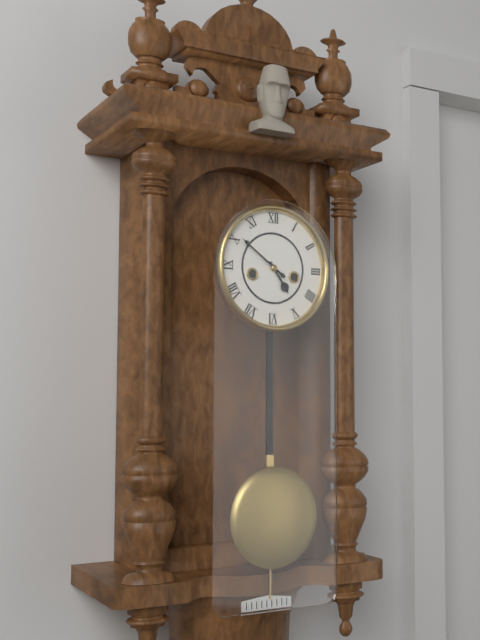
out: 4:51
